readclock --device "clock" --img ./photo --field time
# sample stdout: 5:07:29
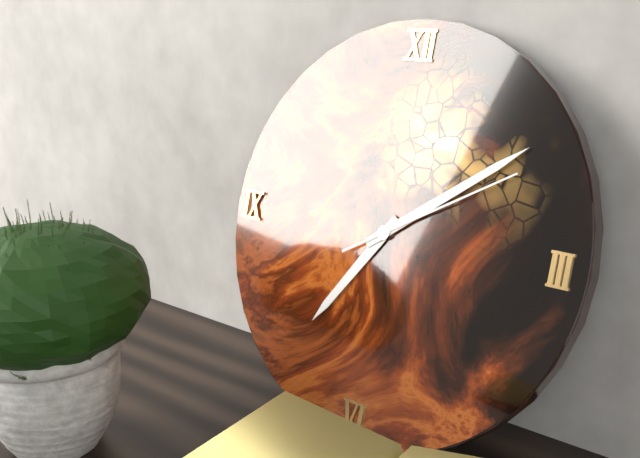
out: 7:09:10
